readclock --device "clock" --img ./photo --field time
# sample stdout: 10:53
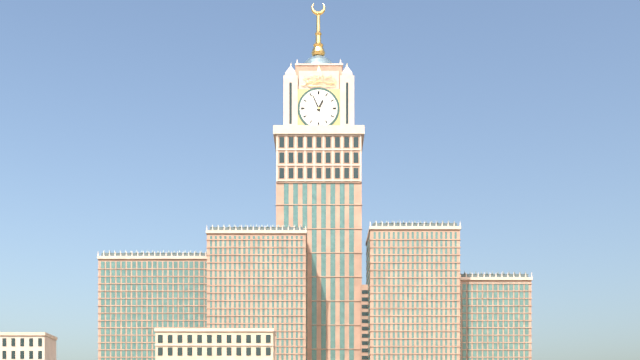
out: 12:56
